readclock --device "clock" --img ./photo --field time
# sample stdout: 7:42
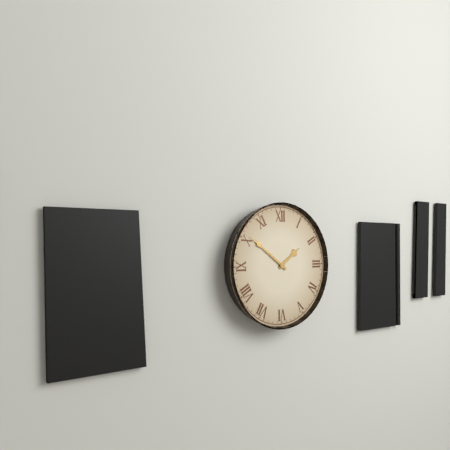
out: 1:51
